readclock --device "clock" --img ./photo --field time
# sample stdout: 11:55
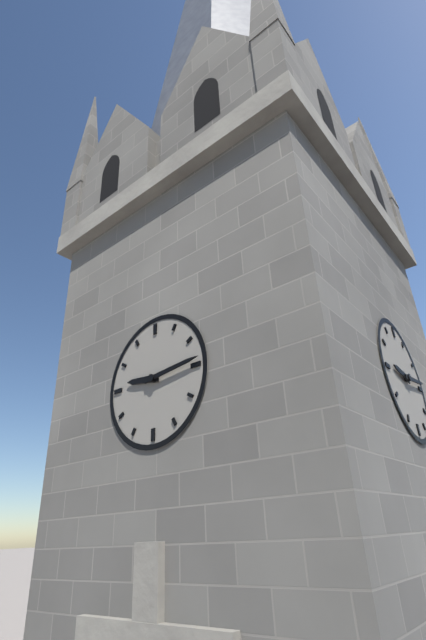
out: 9:14
